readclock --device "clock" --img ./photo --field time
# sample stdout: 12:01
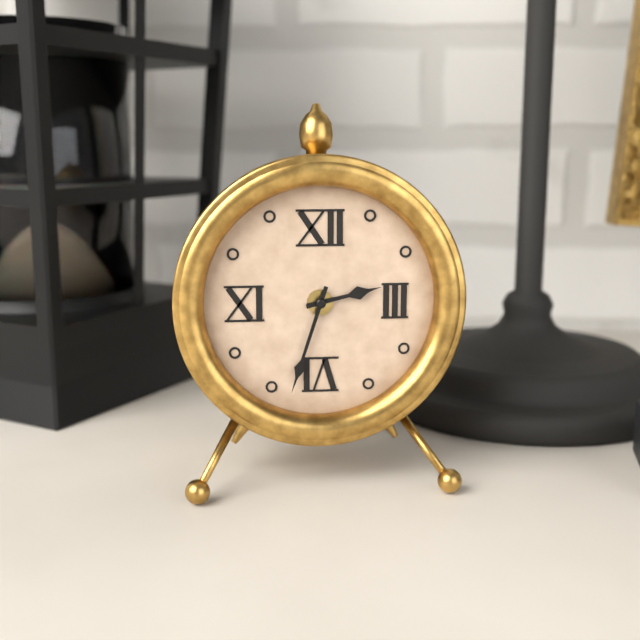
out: 2:33
